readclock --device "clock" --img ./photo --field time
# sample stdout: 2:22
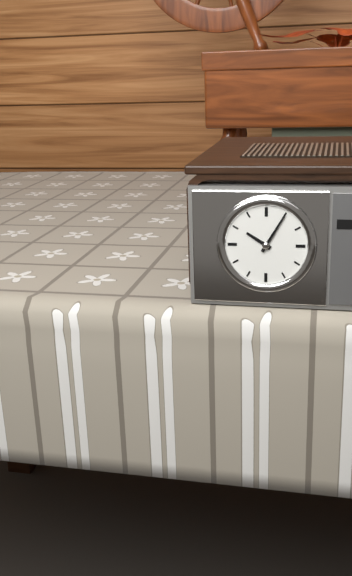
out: 10:05
